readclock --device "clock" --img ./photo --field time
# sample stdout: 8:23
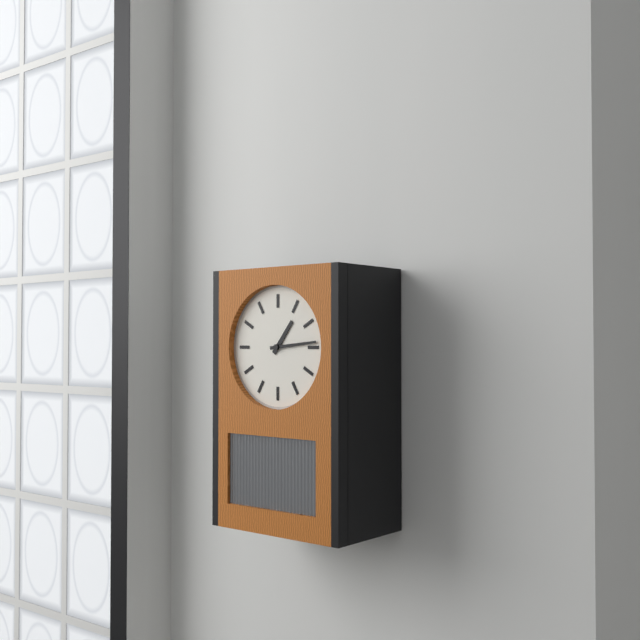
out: 1:14
